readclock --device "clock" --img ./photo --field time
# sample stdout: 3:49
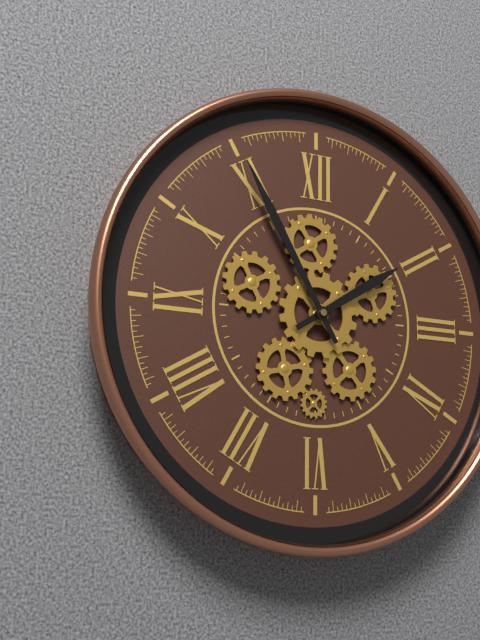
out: 1:55
